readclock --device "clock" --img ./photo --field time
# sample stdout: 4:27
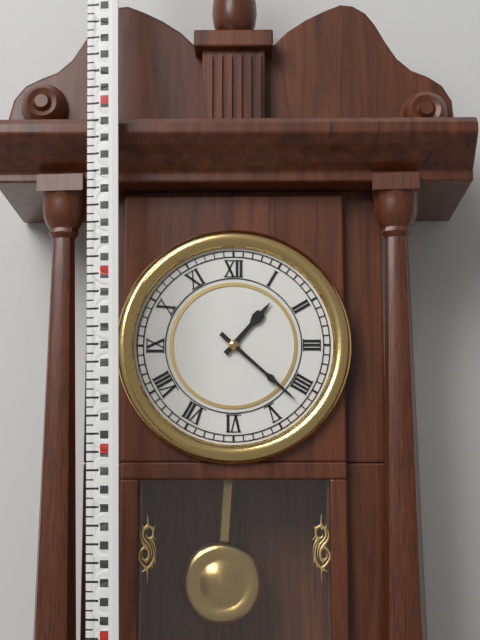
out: 1:22
